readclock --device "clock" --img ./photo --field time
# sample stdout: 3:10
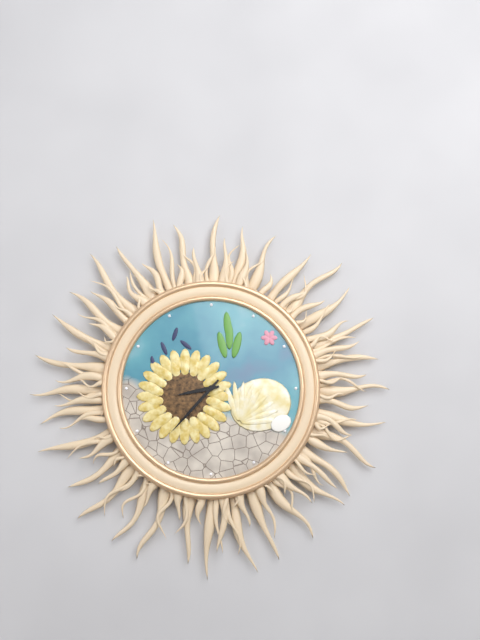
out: 8:37
